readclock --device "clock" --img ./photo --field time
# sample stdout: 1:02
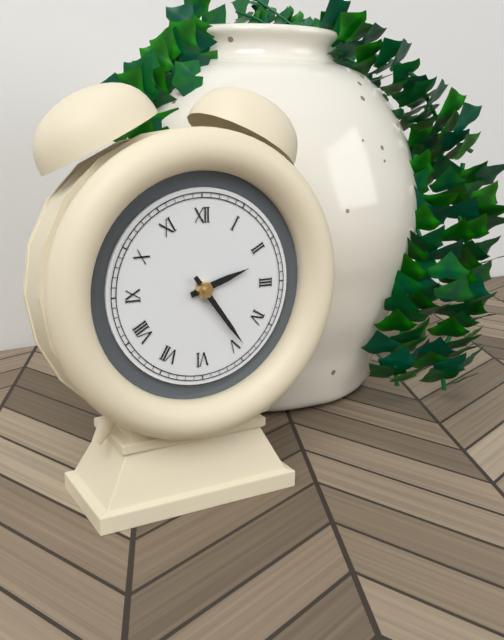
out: 2:24
